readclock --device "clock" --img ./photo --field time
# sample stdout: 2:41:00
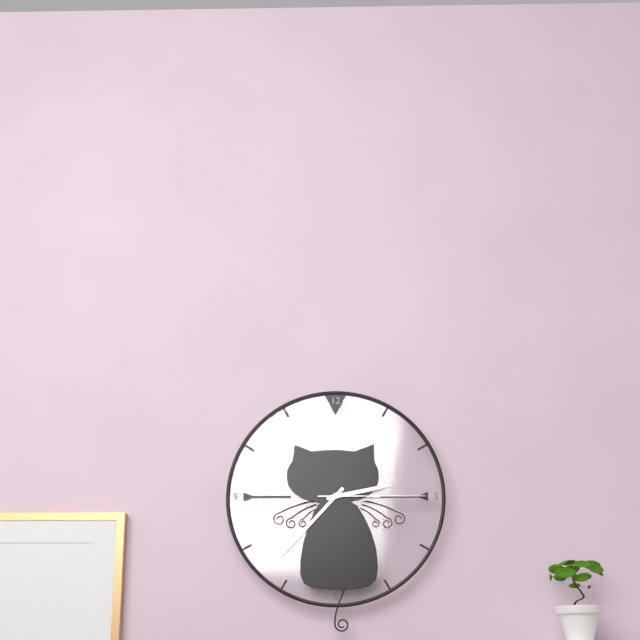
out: 2:37:15
